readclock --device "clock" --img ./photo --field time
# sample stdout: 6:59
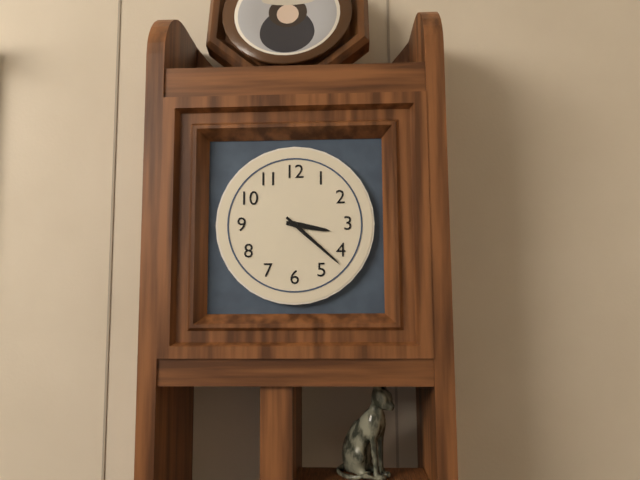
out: 3:22
